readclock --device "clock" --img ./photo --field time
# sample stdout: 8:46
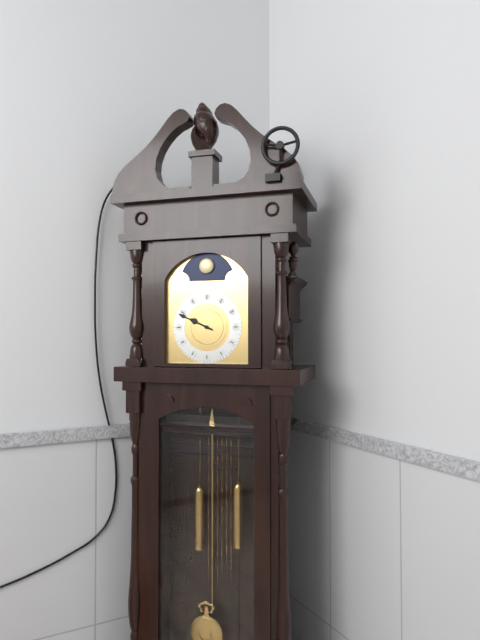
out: 9:49
